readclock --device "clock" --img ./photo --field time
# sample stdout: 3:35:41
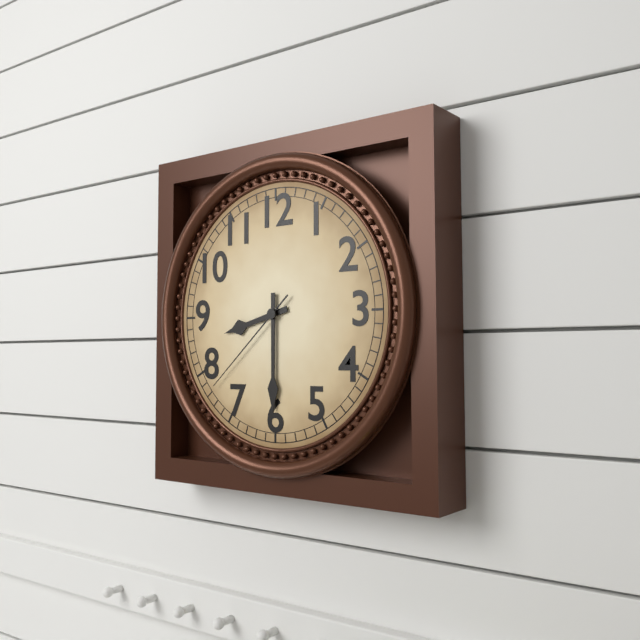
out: 8:30:38
